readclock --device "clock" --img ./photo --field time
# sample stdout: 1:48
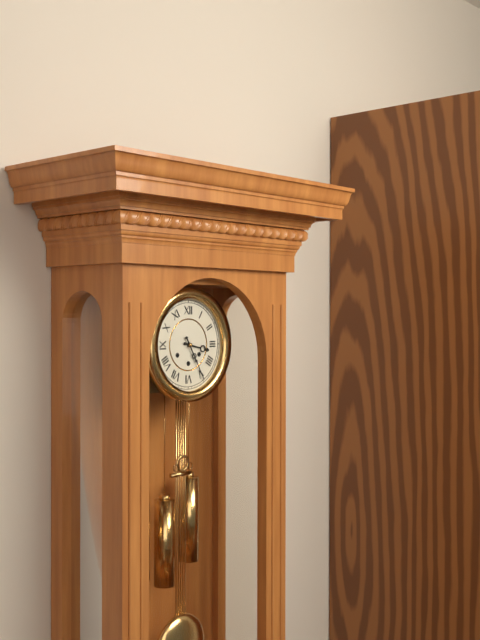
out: 3:25
